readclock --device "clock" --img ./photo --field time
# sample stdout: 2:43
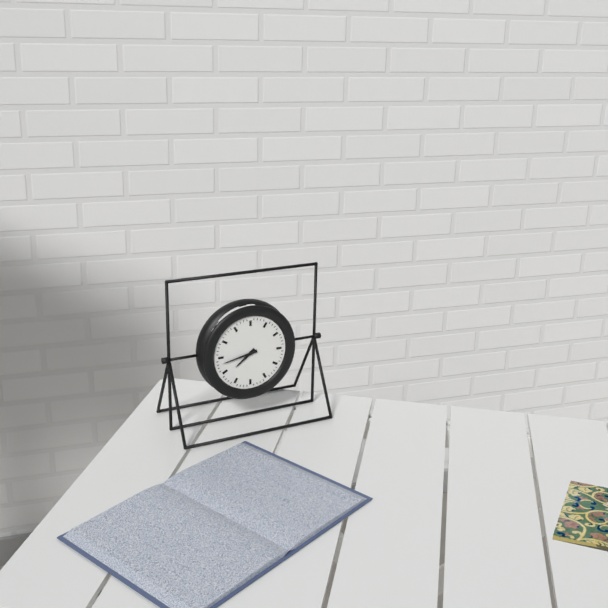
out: 7:43
